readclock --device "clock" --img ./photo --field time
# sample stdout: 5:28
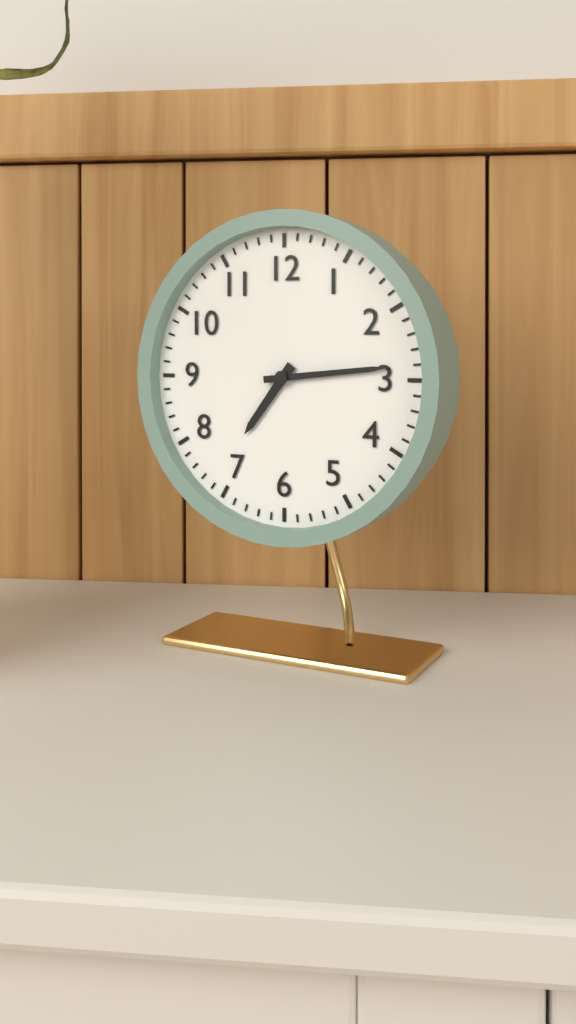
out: 7:14
